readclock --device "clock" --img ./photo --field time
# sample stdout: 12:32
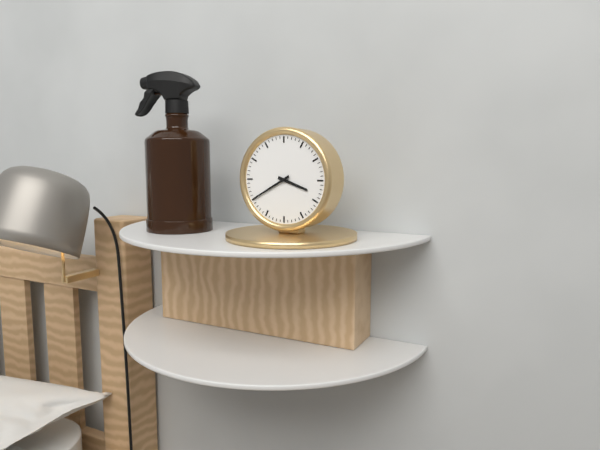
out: 3:40
